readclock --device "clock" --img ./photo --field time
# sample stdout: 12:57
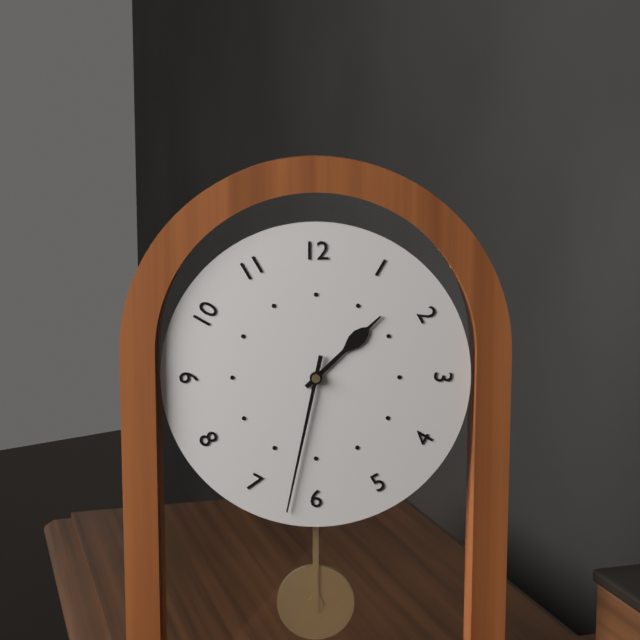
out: 1:32
